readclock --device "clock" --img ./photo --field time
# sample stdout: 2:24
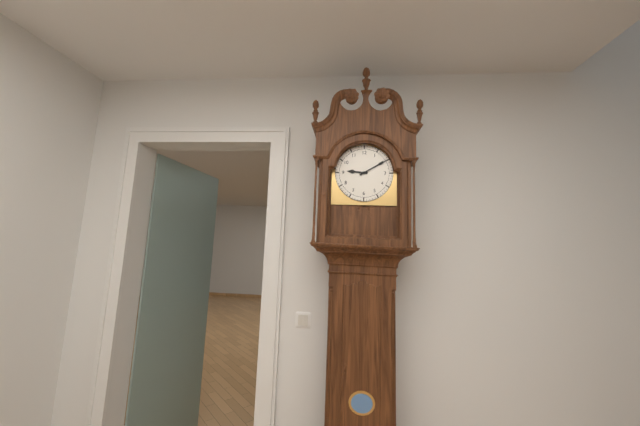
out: 9:10
